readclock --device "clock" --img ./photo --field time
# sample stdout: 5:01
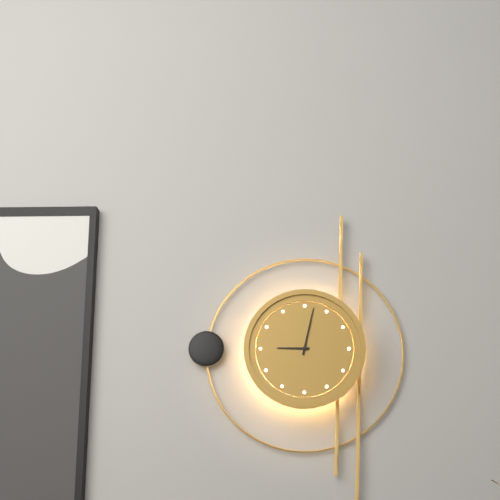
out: 9:02
